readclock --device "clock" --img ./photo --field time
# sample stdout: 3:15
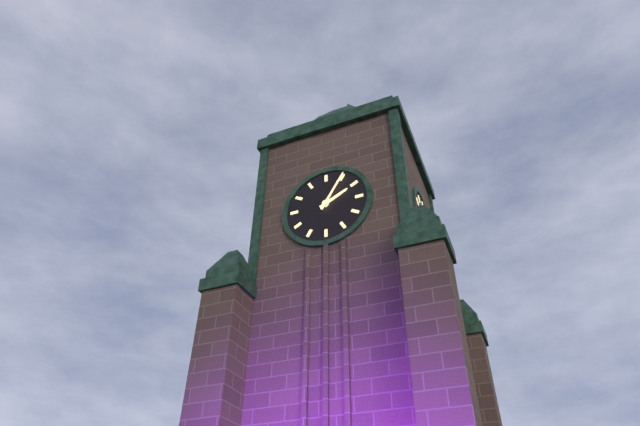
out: 2:05
